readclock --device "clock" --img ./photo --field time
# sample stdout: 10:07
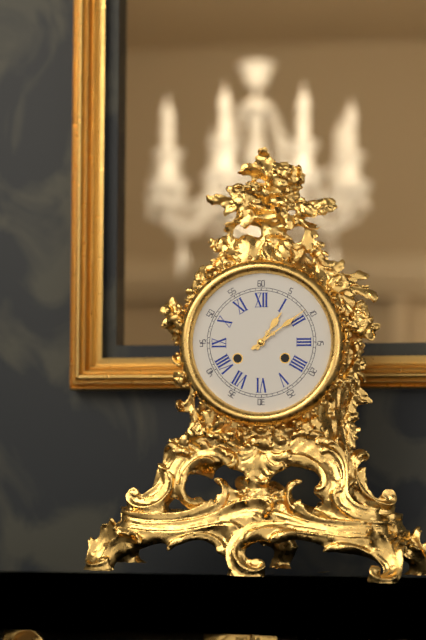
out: 1:09
